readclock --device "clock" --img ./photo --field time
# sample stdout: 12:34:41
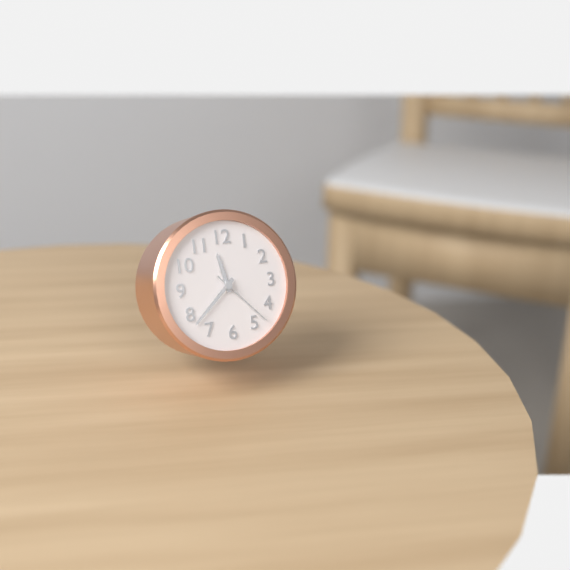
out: 11:38:23
